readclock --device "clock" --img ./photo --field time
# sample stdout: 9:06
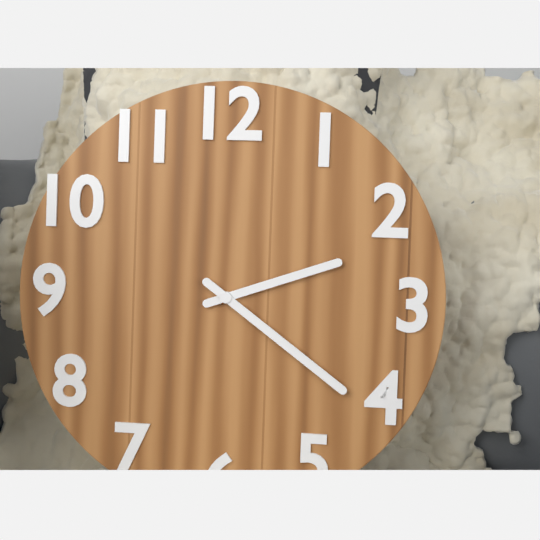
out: 2:21
